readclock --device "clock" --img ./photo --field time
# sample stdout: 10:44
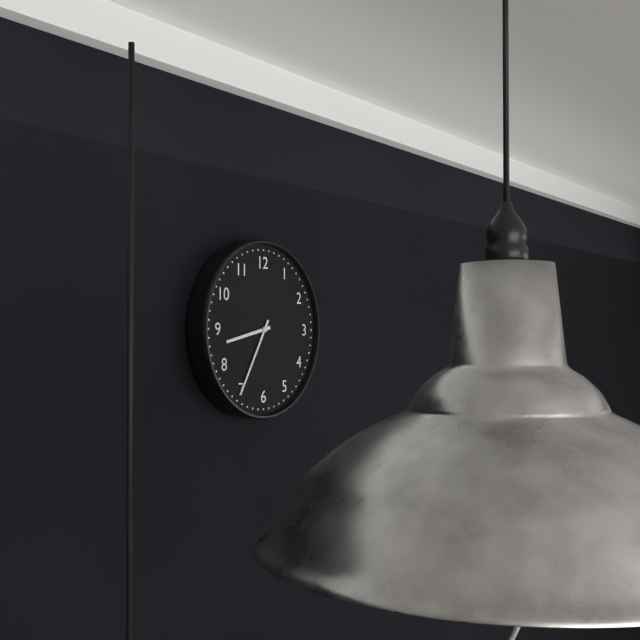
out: 8:35
